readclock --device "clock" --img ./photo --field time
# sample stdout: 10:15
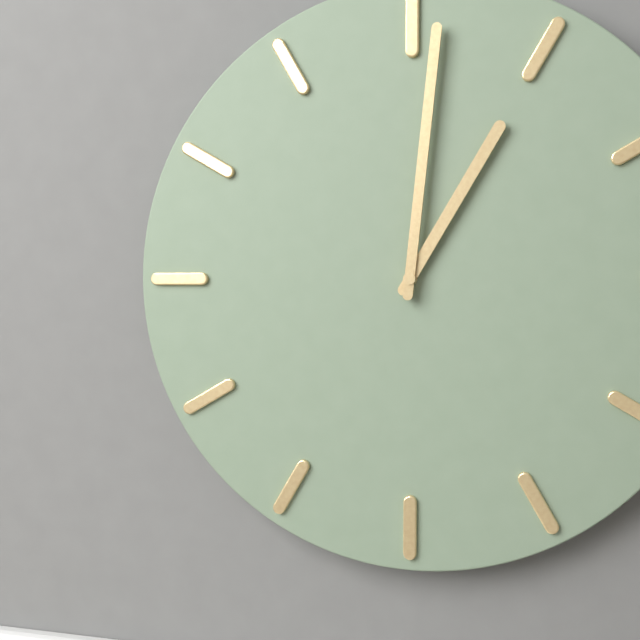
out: 1:01
